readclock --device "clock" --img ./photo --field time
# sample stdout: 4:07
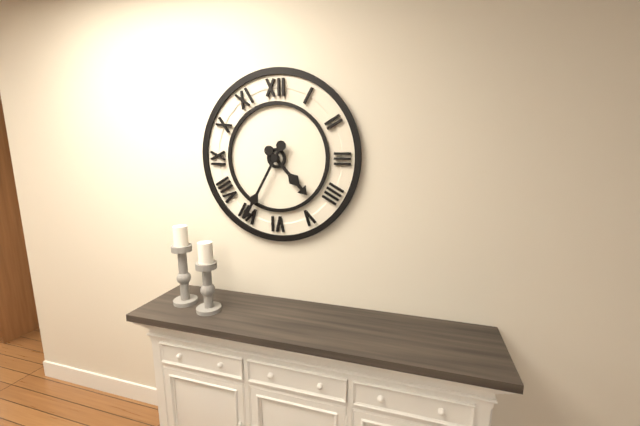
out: 4:35
